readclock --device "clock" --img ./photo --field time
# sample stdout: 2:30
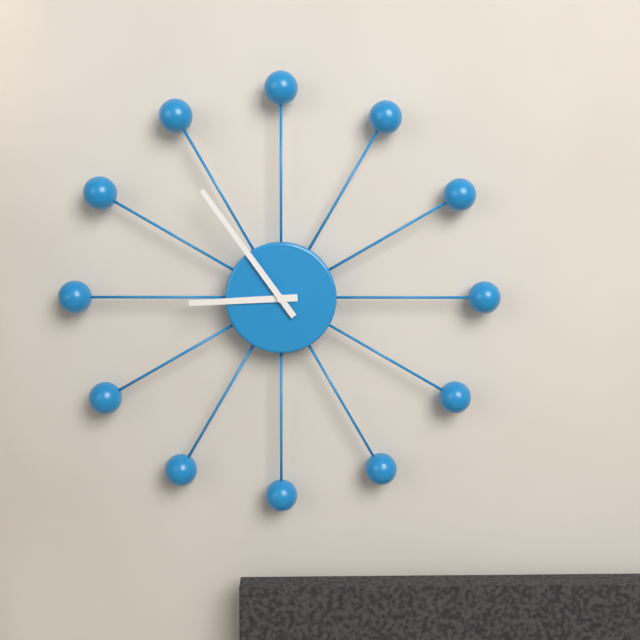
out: 8:54
